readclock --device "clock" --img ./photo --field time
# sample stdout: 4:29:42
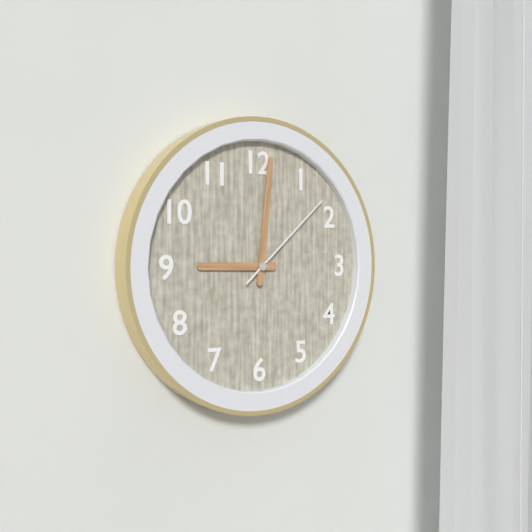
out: 9:01:08
